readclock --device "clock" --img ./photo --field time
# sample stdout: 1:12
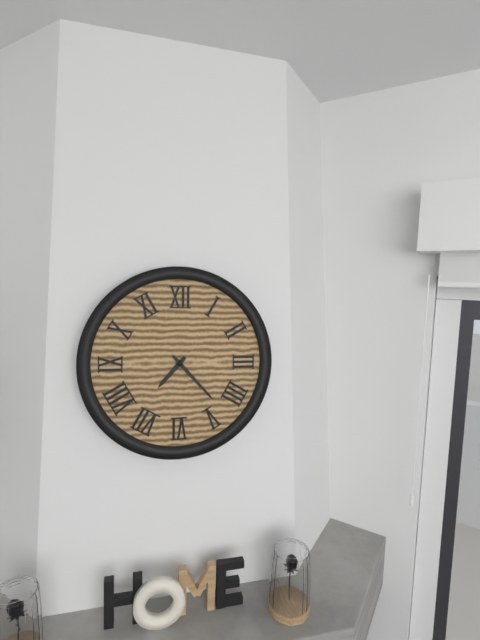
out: 7:23
